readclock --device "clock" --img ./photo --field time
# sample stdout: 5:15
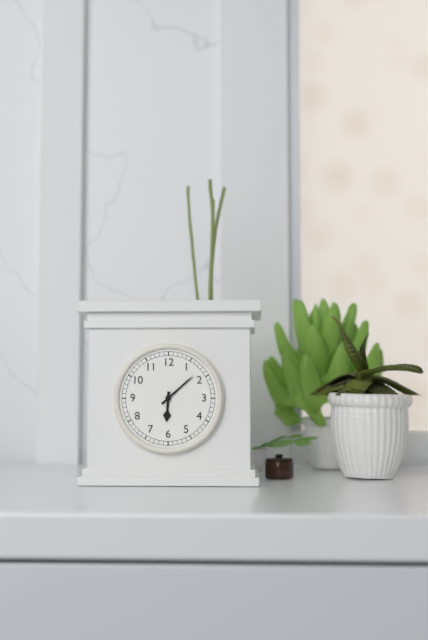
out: 6:08
